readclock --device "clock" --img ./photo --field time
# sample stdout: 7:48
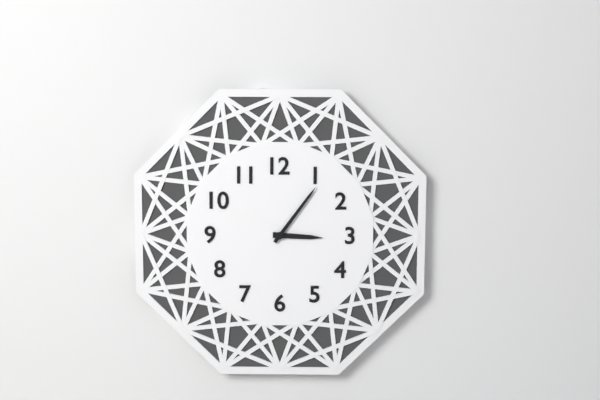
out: 3:06
